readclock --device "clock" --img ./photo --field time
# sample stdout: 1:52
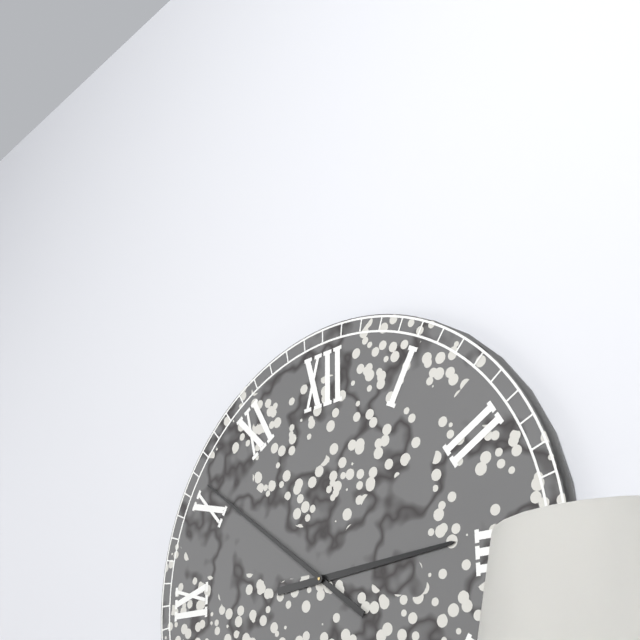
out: 2:51
